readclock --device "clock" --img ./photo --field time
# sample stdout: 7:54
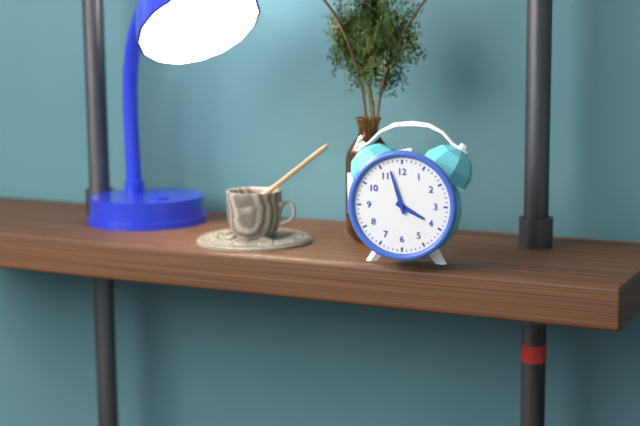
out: 3:57
